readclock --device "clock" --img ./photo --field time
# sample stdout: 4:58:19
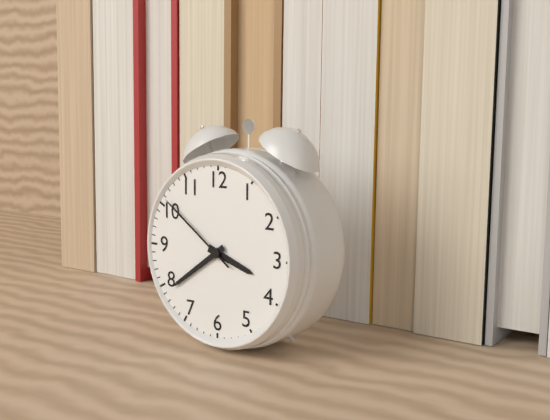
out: 3:39:51
